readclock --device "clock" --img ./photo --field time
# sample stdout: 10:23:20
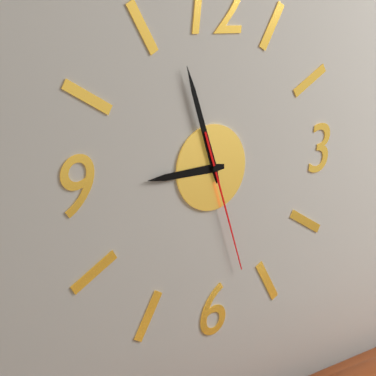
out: 8:57:27
